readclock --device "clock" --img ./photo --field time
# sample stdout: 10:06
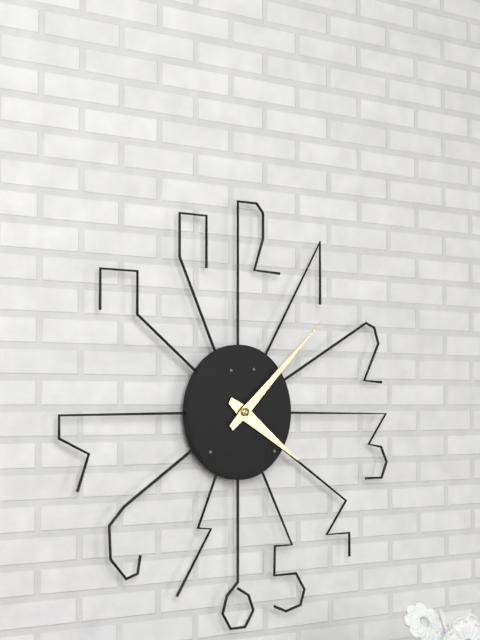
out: 4:08
